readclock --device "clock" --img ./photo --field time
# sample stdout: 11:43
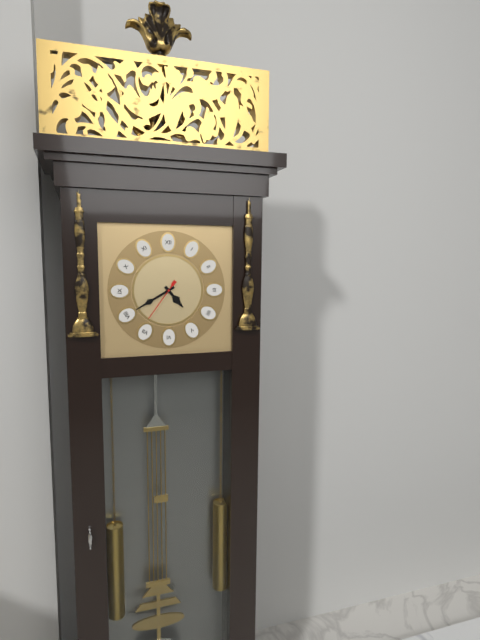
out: 4:40
